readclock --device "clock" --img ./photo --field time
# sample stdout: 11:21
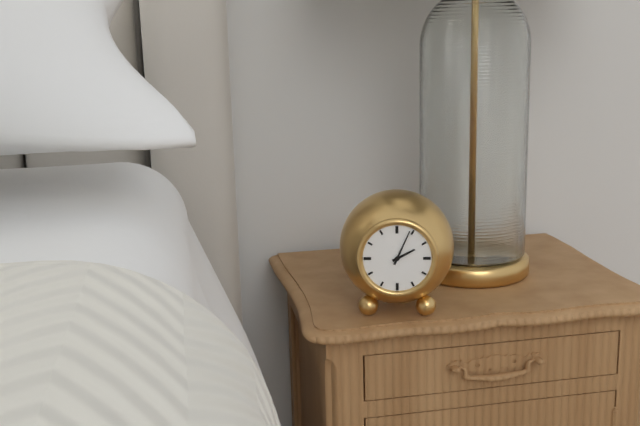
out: 2:04
